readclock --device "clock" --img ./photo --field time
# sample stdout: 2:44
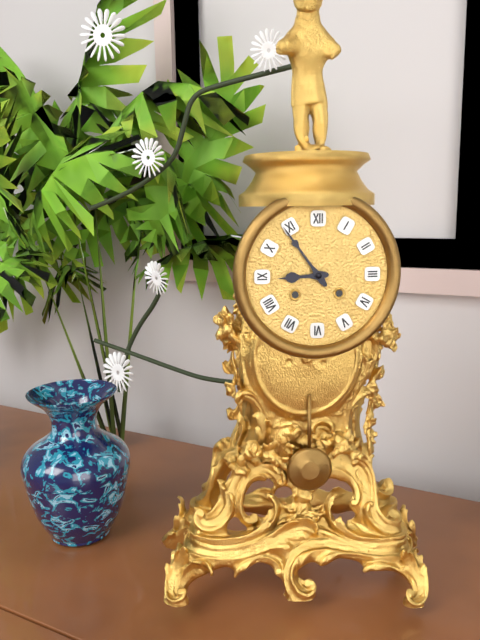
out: 8:54
